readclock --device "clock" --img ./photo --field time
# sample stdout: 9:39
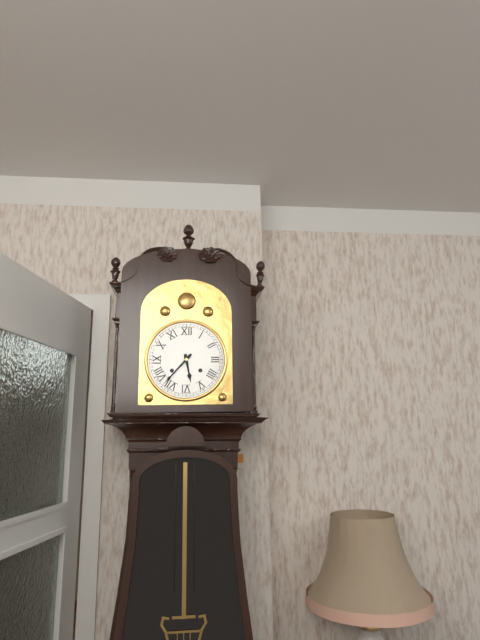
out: 5:37
